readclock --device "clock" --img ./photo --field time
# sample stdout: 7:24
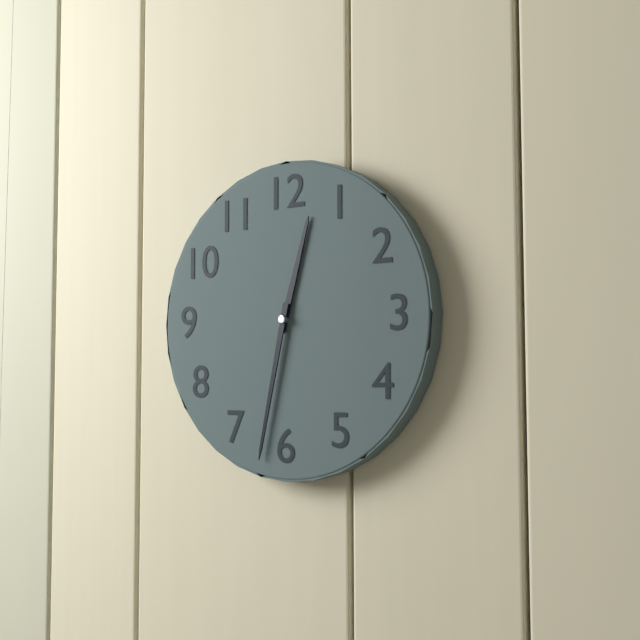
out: 12:32
